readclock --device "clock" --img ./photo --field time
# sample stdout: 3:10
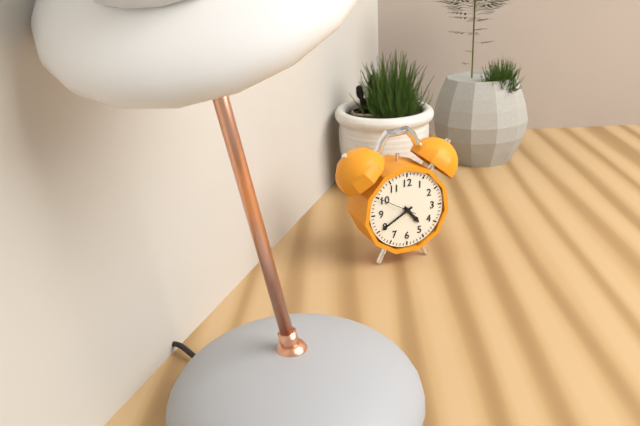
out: 4:40
